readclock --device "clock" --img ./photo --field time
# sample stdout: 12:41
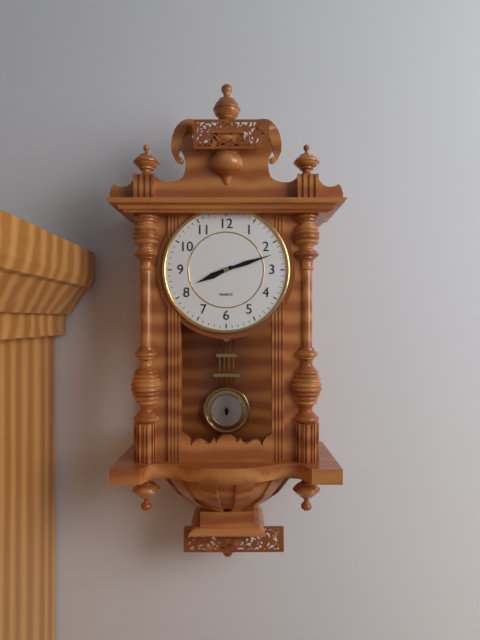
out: 8:12
